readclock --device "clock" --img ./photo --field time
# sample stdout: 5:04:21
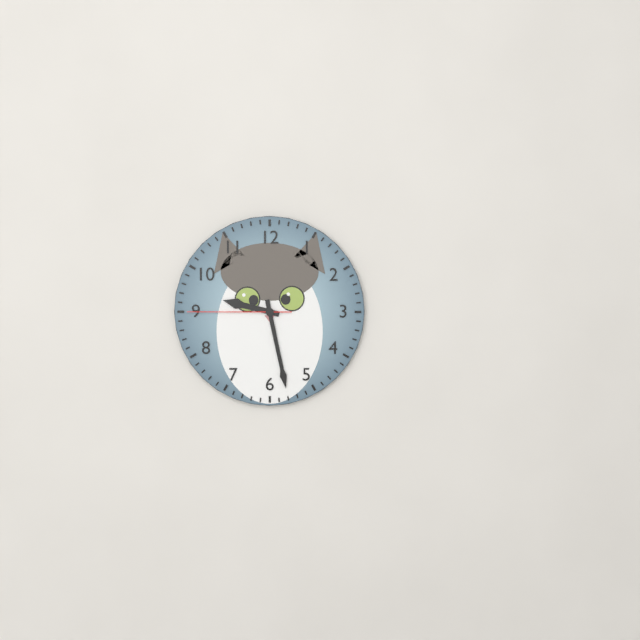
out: 9:28:45
